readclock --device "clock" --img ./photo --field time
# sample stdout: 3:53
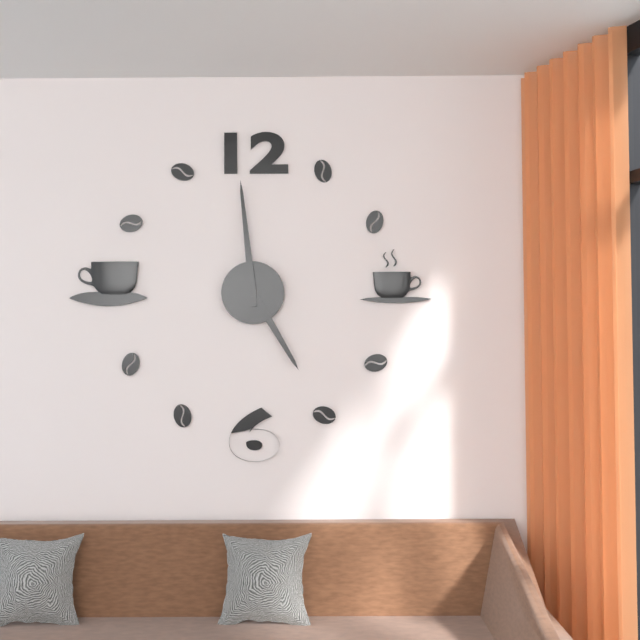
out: 4:59
